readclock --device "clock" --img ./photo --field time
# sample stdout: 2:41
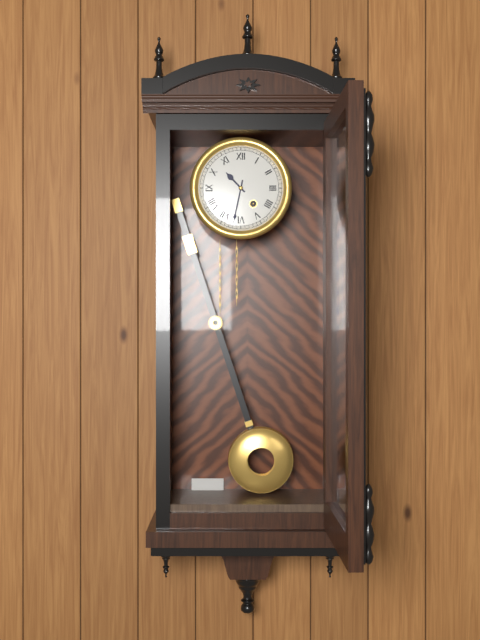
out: 10:32
